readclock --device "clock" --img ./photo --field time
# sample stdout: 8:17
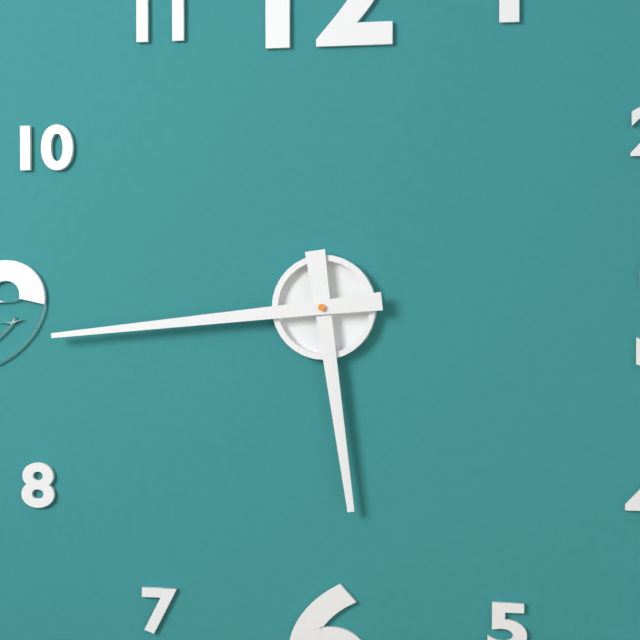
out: 5:44
